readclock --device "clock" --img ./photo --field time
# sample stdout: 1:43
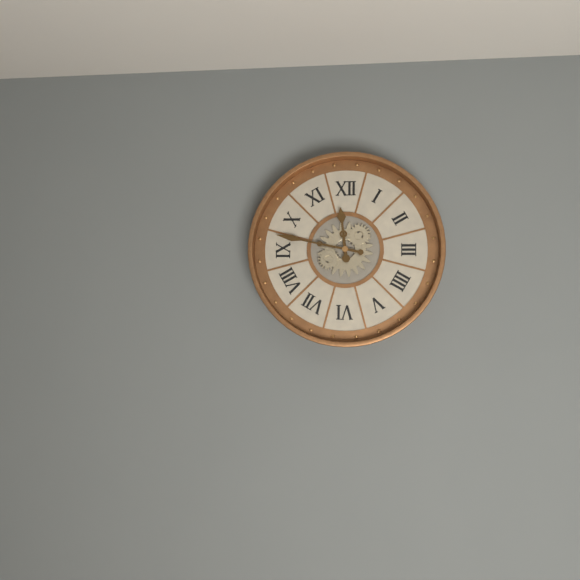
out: 11:47
